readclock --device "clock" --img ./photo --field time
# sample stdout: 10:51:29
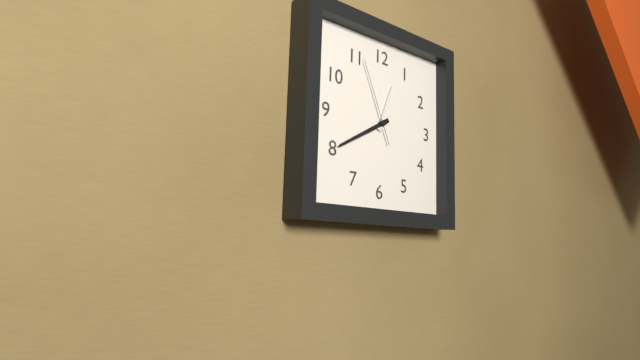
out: 12:40:56
